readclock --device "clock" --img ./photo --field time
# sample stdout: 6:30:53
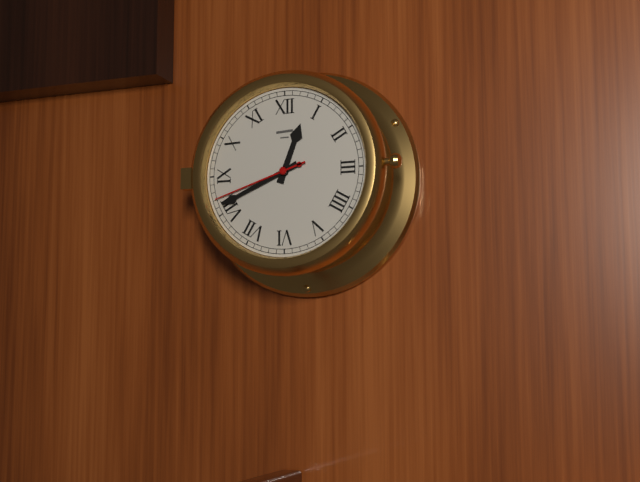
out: 12:41:42
